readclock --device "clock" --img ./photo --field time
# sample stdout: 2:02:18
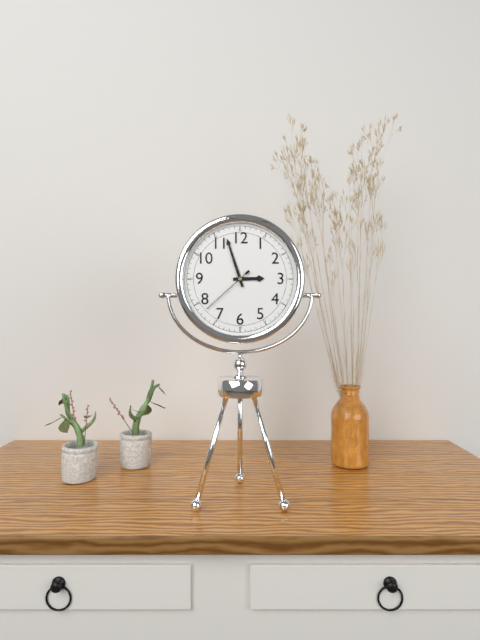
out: 2:57:38
